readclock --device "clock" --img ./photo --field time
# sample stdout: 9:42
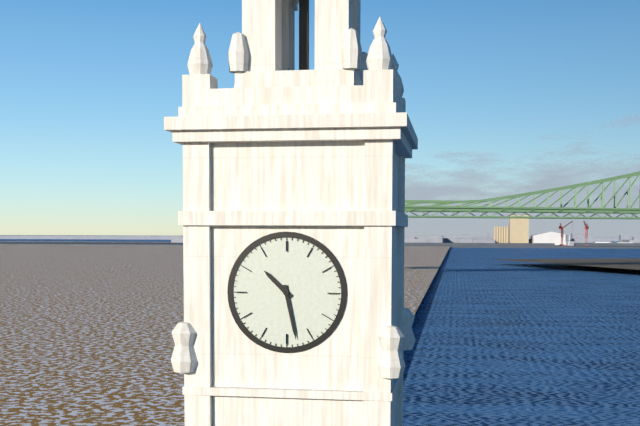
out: 10:28
